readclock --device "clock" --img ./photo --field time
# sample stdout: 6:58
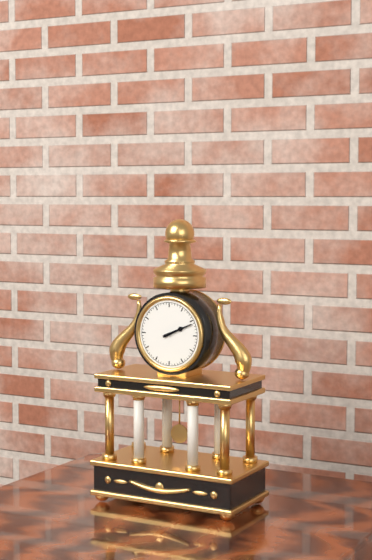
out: 2:11
